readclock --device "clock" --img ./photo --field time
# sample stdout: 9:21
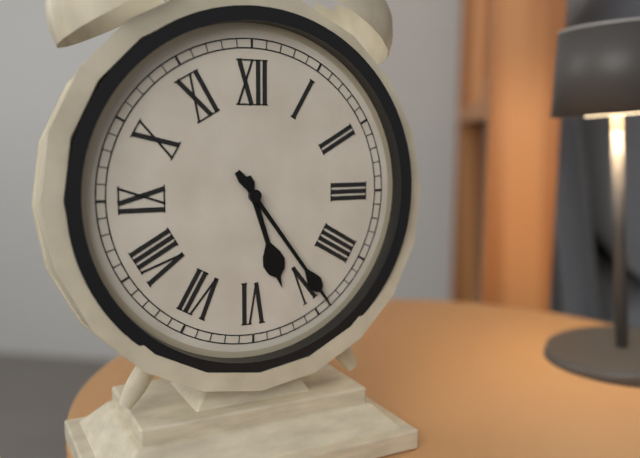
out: 5:24
